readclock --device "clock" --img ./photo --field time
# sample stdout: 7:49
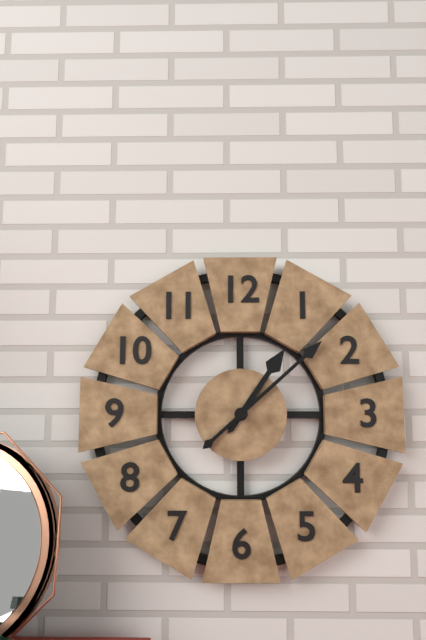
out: 1:08
